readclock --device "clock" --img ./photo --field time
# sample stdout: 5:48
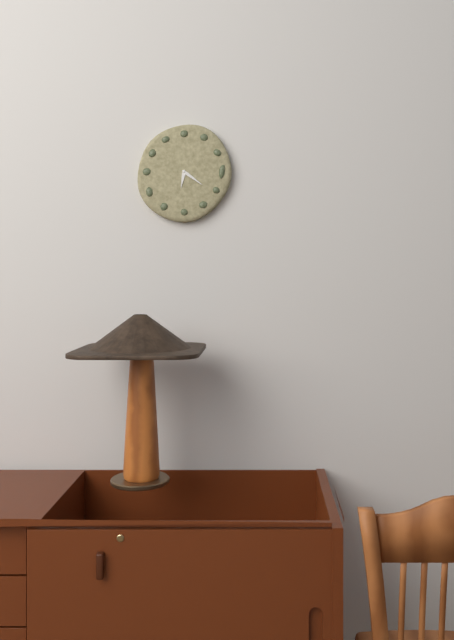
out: 6:21
